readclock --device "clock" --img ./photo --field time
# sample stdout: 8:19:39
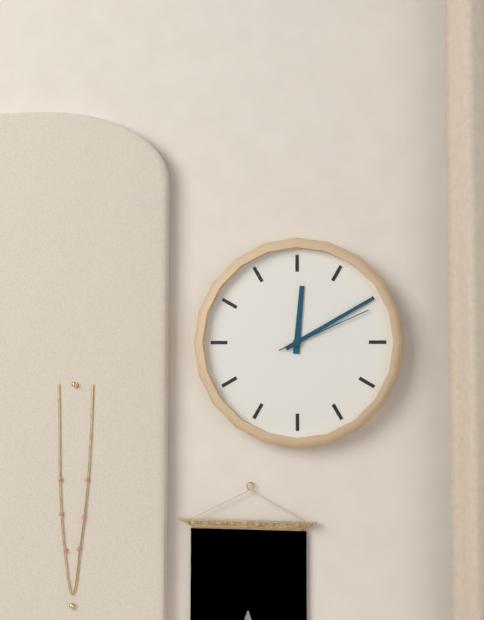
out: 12:10:11
